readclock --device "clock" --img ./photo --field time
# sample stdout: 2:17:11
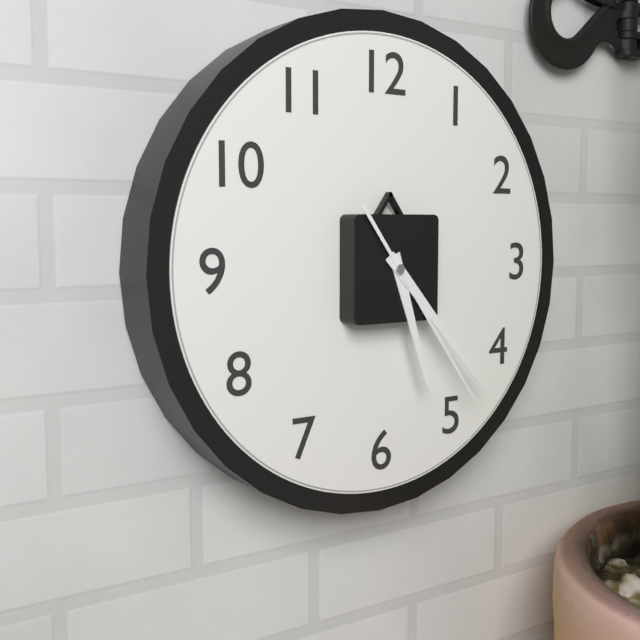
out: 5:23:24
